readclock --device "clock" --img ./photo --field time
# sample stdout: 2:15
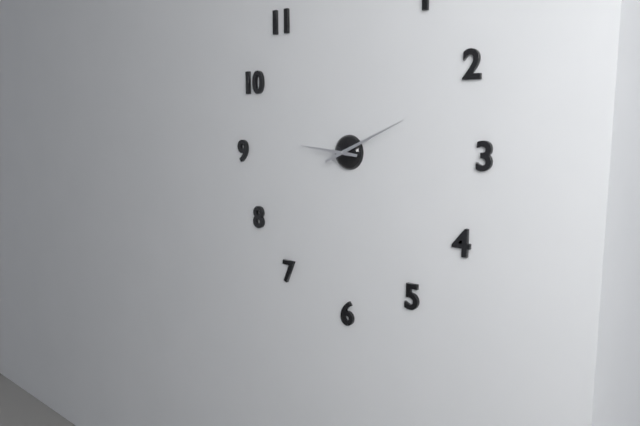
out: 9:11
